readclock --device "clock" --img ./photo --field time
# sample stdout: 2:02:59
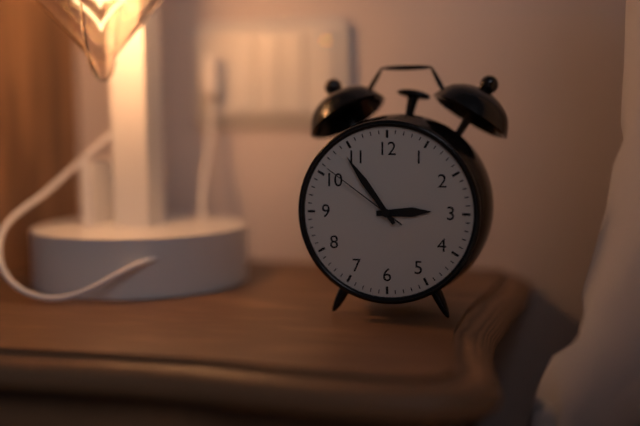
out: 2:54:51
